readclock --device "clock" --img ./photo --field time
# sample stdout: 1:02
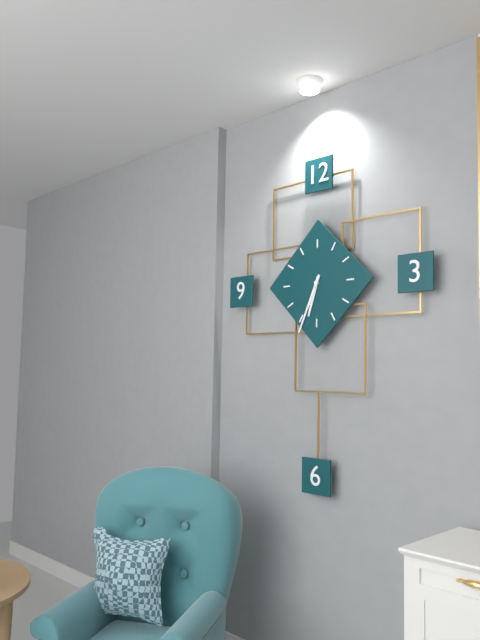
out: 6:34
